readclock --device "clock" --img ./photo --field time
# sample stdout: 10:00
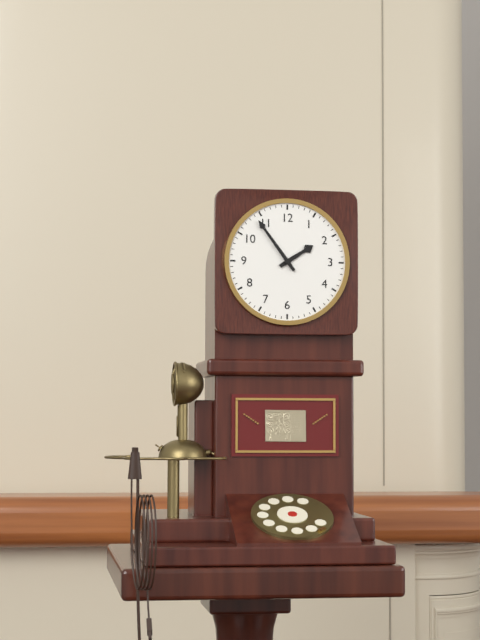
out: 1:54
